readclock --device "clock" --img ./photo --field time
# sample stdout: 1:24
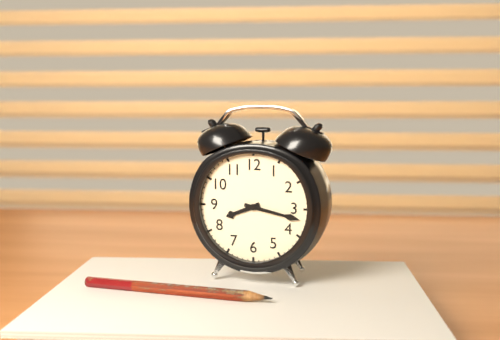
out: 8:17
